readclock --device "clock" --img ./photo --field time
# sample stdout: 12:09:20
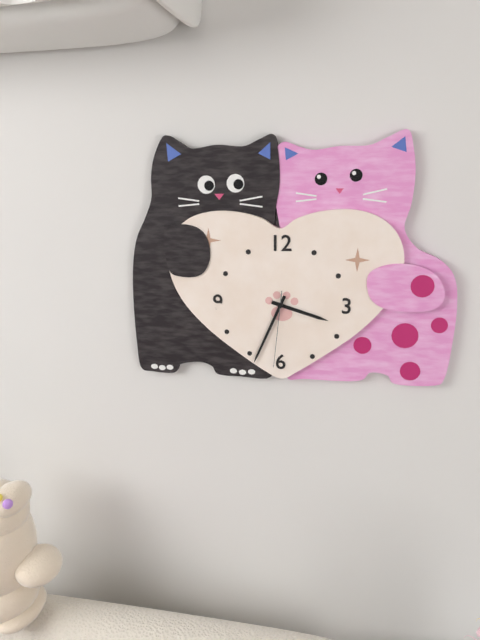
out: 3:34:31
